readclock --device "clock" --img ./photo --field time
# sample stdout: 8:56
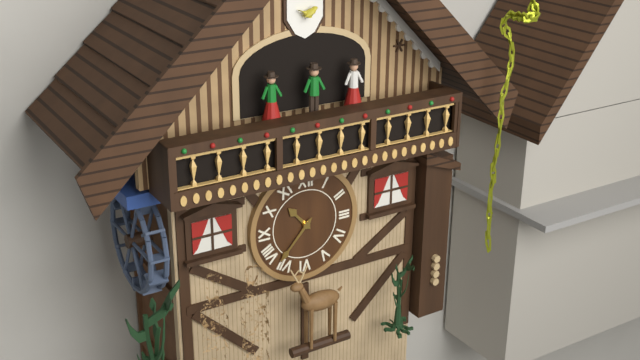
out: 10:37
